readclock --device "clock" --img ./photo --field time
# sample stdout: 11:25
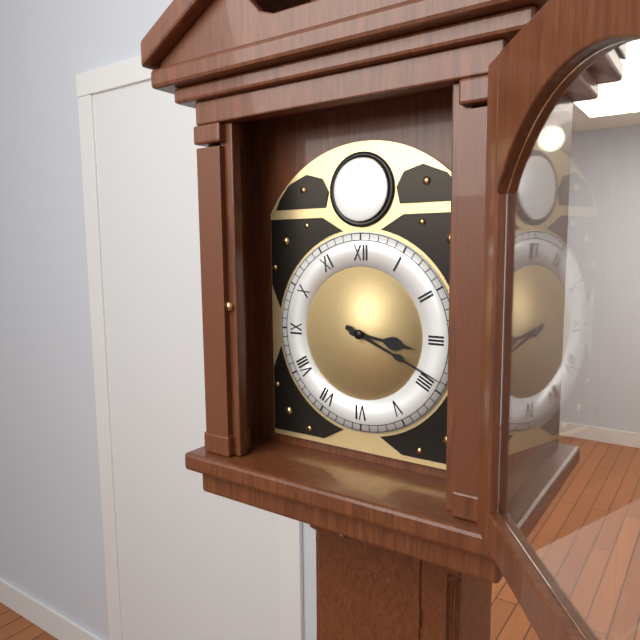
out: 3:19
